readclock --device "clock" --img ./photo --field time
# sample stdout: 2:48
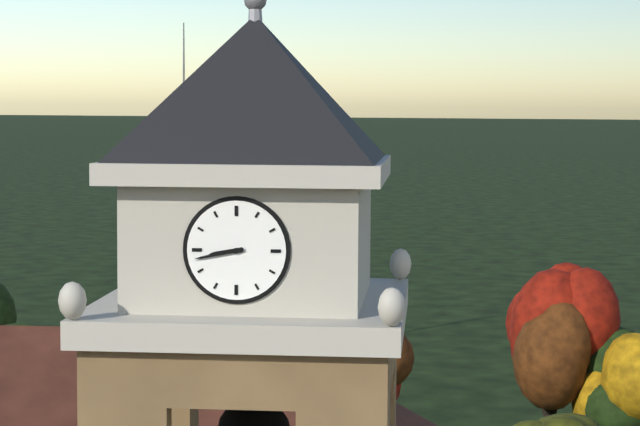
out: 8:43
